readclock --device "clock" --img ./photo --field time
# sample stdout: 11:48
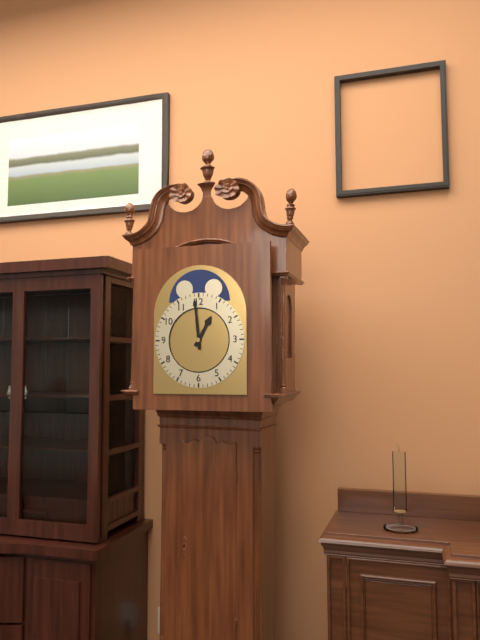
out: 12:59
